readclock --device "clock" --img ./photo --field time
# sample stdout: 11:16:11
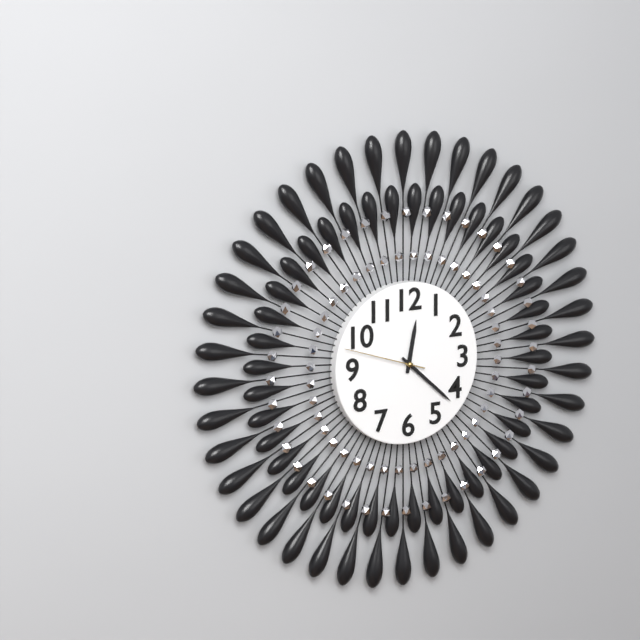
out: 12:22:48
